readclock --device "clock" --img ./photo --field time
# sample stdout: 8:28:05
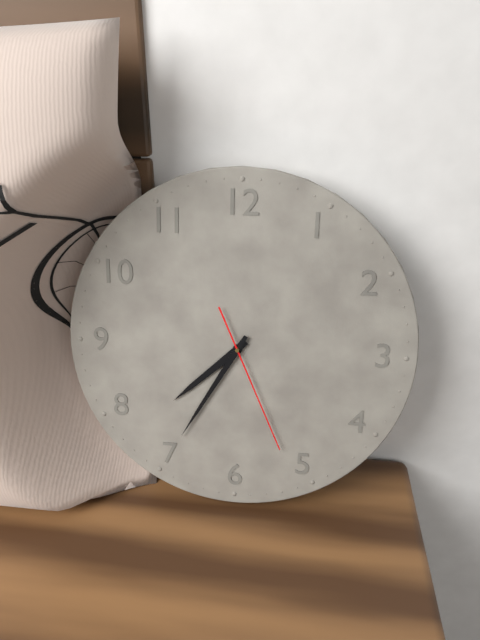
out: 7:35:26
